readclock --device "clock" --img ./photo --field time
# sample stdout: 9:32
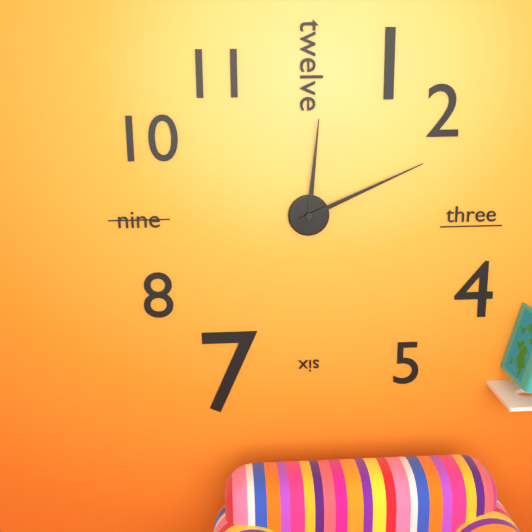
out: 12:11
